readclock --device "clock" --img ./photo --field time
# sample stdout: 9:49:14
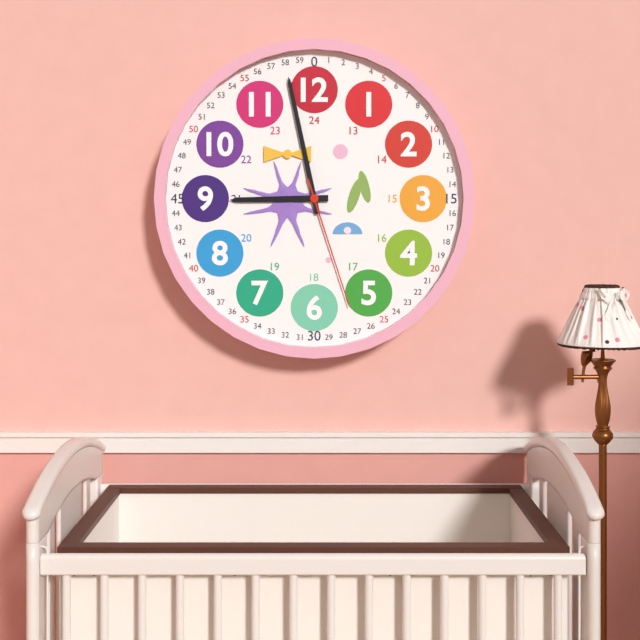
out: 8:58:27
